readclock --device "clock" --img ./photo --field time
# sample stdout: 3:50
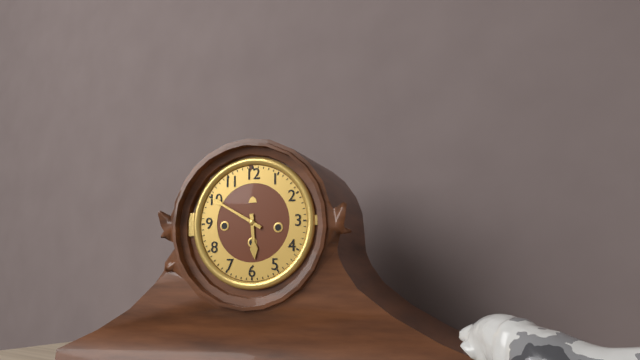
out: 5:50
